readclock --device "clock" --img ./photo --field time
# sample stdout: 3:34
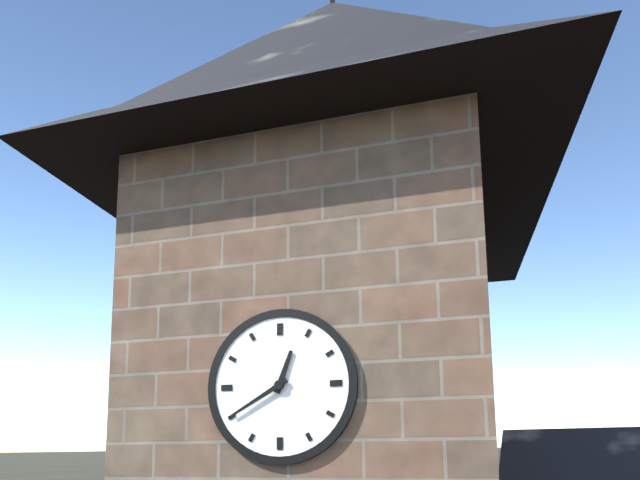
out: 12:40
